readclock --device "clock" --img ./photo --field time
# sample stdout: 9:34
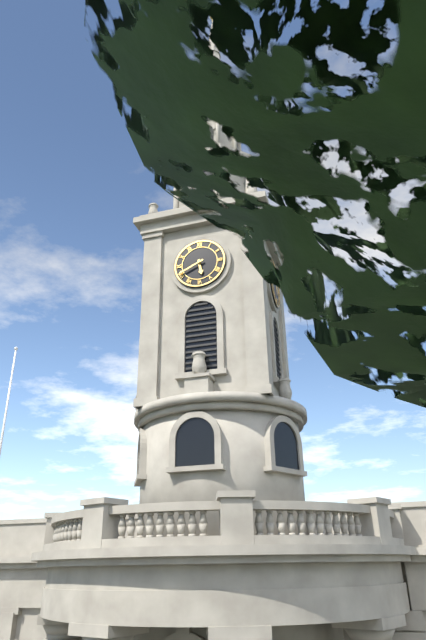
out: 5:41
